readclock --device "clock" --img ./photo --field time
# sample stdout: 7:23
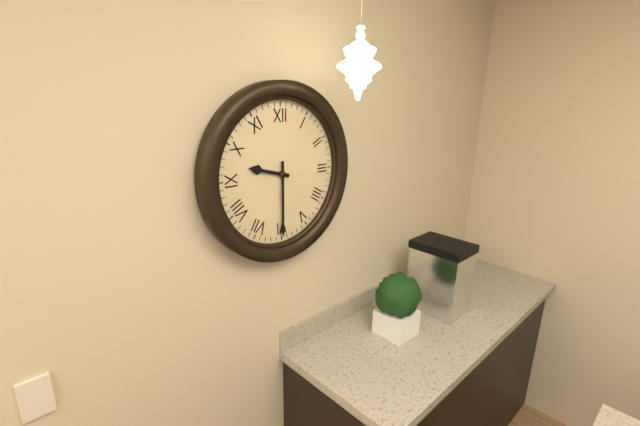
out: 9:30
